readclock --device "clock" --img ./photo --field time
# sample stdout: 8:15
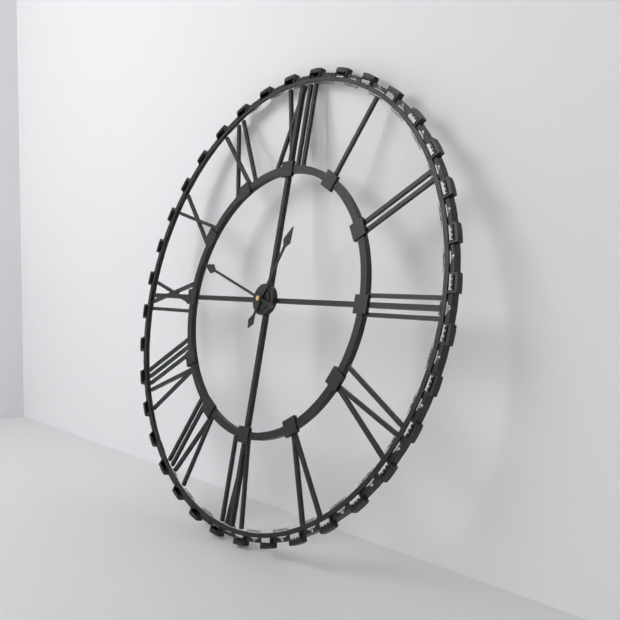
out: 12:48
